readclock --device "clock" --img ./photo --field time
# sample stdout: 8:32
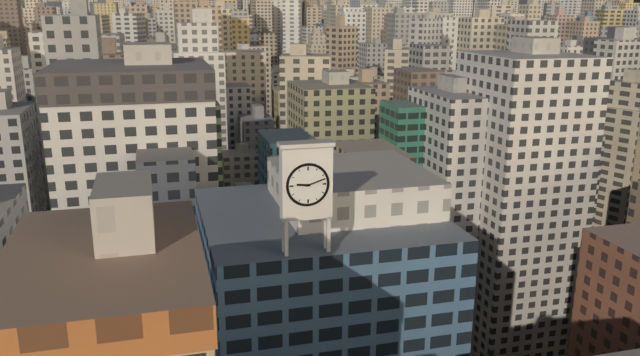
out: 9:12
